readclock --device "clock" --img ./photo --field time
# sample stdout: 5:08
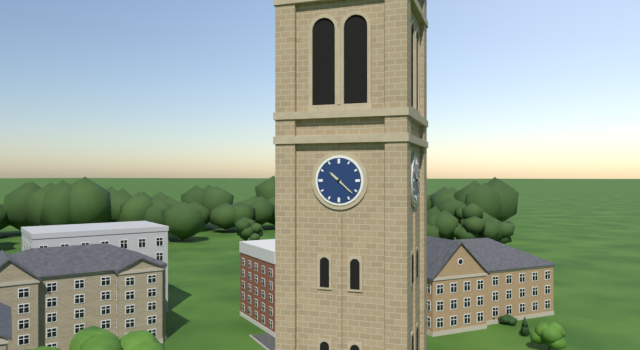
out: 10:22
